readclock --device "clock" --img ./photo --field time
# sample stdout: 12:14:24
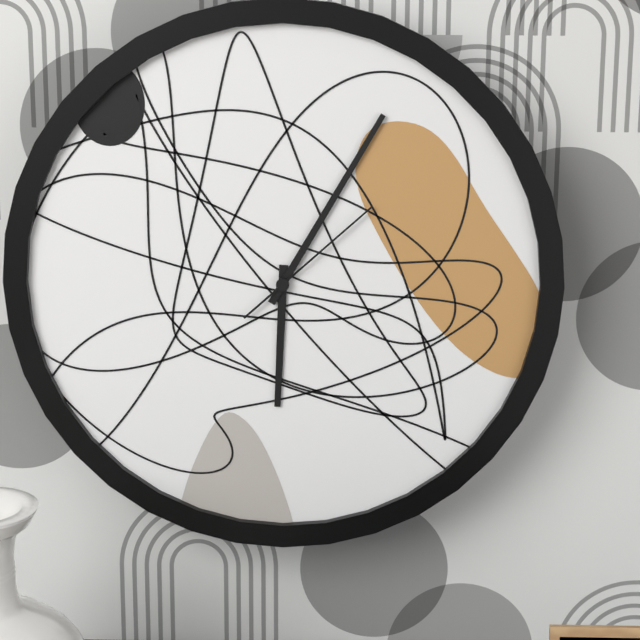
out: 6:05:08
